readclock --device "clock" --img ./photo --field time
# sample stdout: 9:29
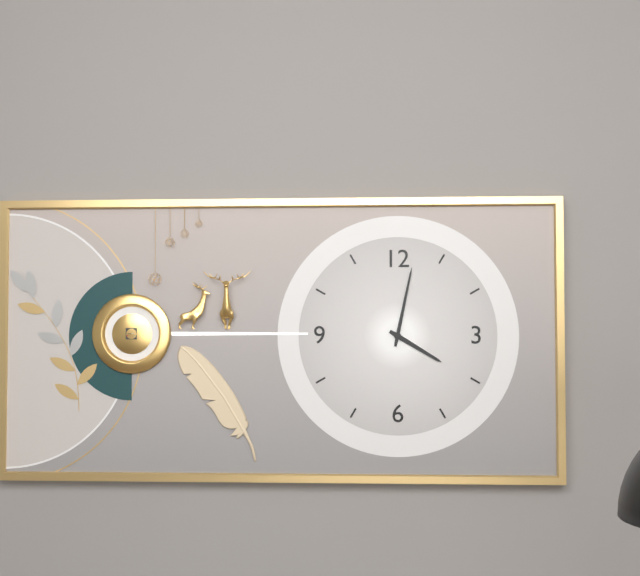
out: 4:02
